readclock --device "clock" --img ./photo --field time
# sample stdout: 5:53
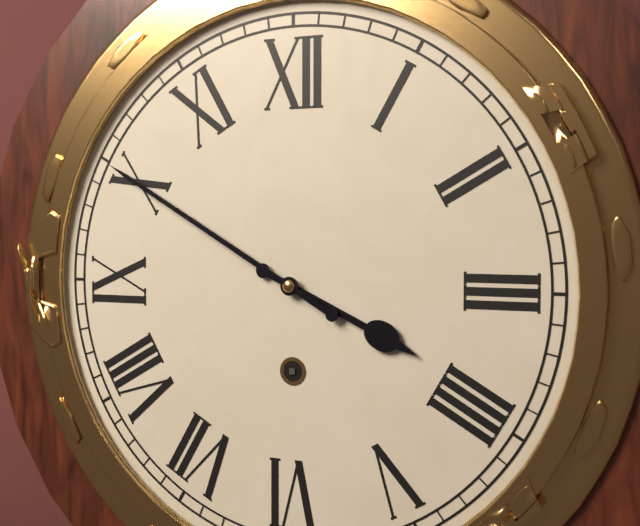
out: 3:50
